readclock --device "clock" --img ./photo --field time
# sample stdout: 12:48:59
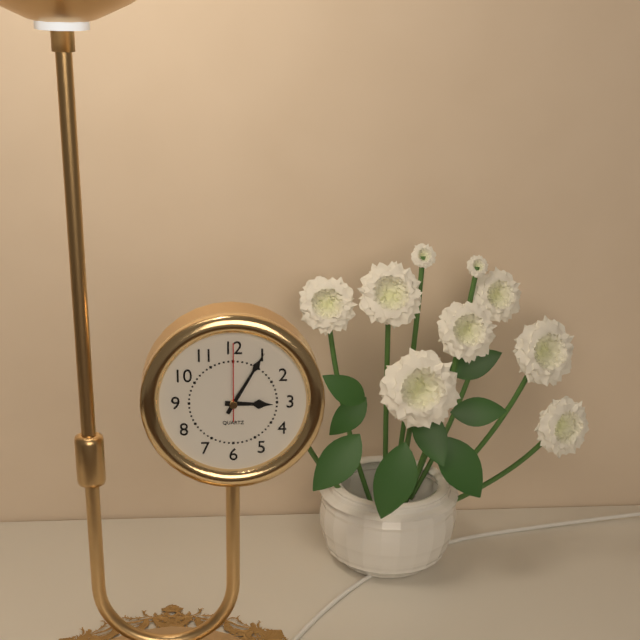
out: 3:05:00
